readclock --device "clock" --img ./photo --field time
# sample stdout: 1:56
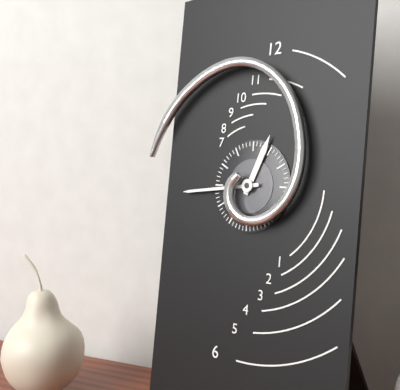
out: 12:44
